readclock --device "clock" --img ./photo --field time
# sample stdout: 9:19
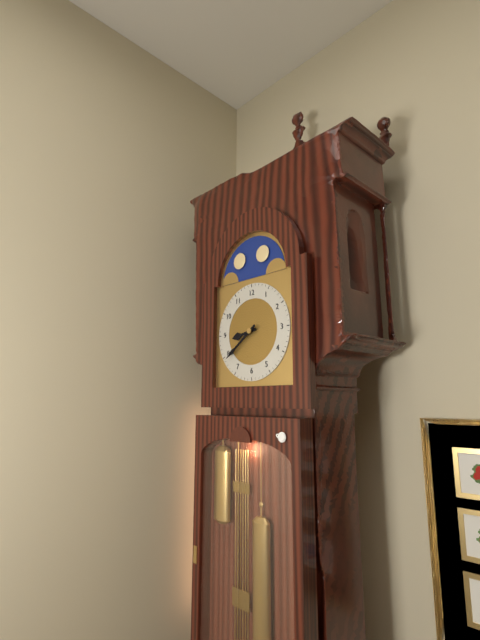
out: 8:39
